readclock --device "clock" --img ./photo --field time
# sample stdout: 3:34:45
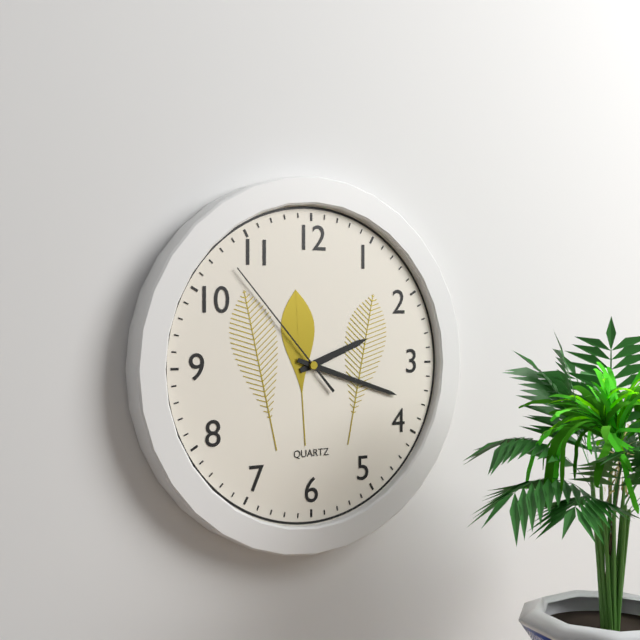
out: 2:18:53
